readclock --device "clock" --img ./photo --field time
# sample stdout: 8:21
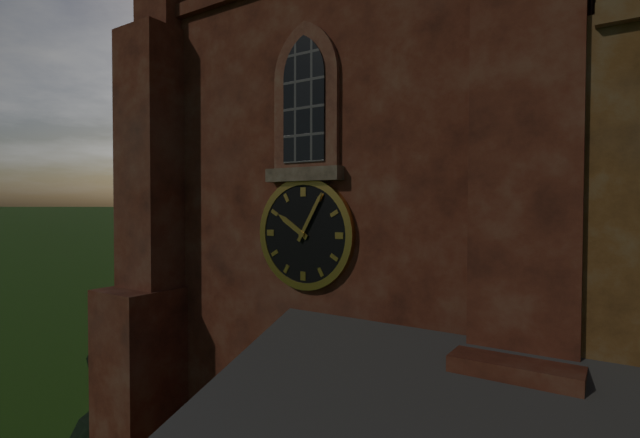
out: 10:05
